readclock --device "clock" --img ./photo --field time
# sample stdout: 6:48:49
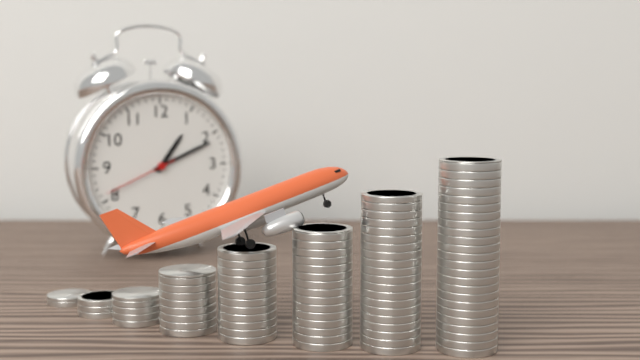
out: 1:11:41
